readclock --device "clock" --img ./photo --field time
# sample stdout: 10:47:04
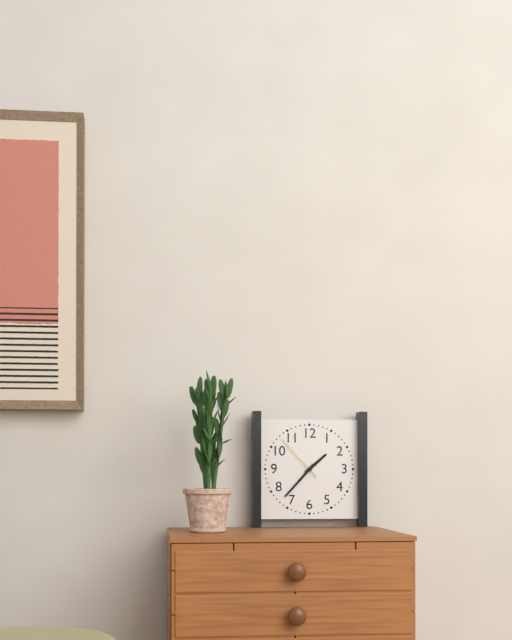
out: 1:37:53
